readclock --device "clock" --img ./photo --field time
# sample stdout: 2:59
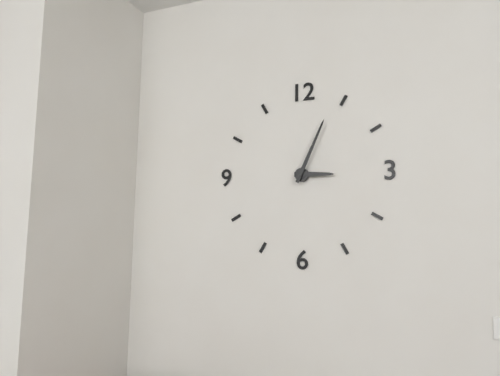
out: 3:04
